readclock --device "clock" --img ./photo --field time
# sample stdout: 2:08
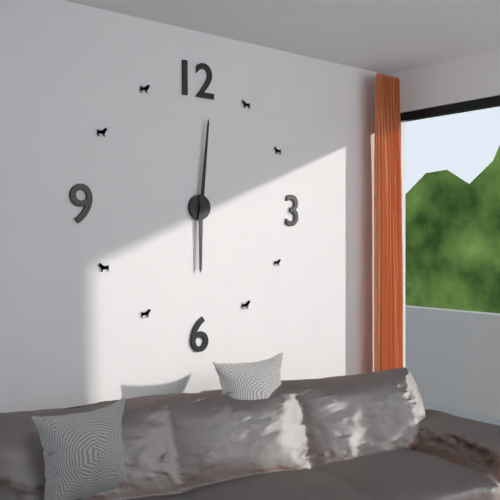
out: 6:01
